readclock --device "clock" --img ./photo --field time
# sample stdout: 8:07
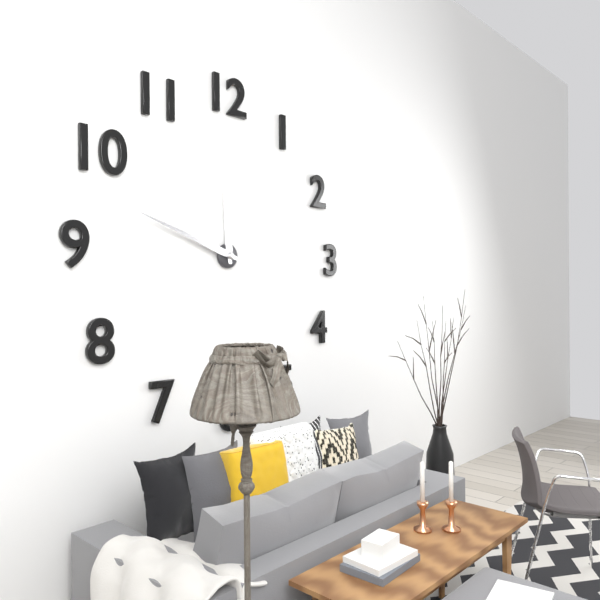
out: 11:48
